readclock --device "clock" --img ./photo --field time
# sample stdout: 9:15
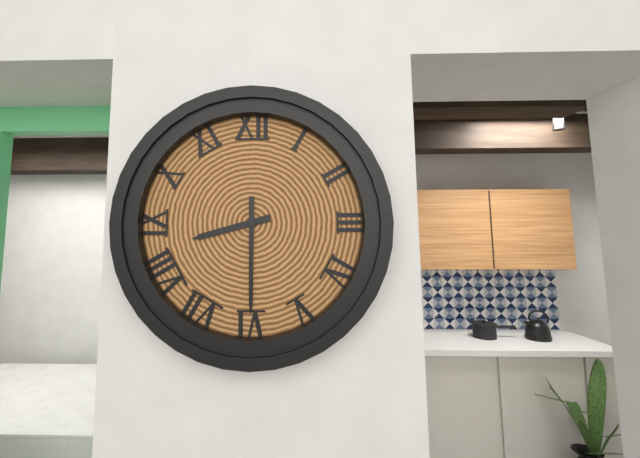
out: 8:30
